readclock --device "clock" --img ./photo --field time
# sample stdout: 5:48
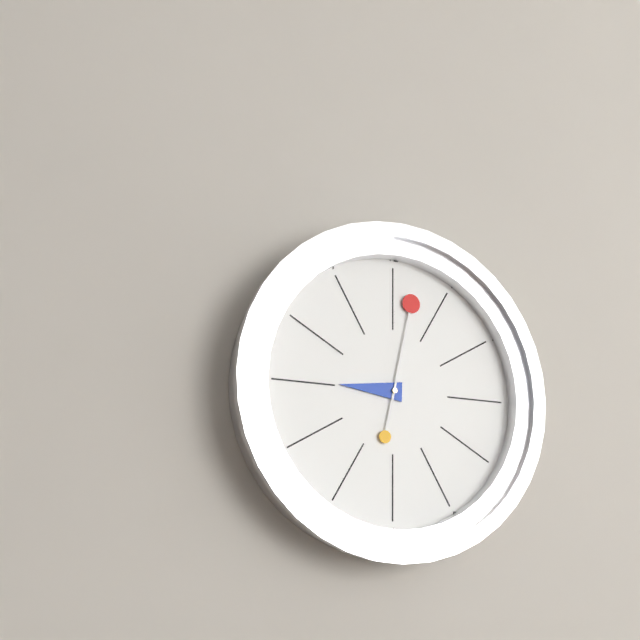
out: 9:02
